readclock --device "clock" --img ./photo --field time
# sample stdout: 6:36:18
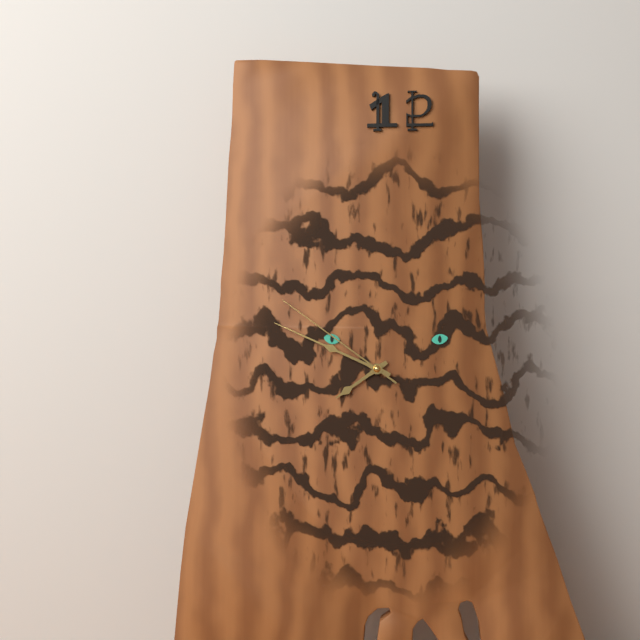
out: 7:49:51
